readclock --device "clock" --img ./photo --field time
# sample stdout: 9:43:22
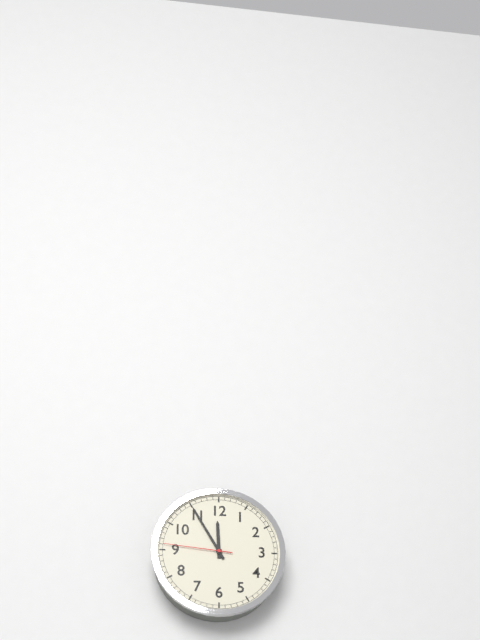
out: 11:55:46
